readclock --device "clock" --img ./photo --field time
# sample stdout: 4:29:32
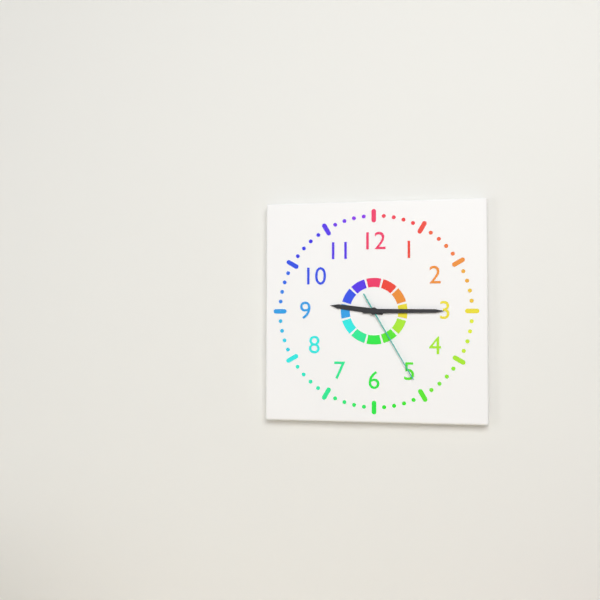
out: 9:15:25
